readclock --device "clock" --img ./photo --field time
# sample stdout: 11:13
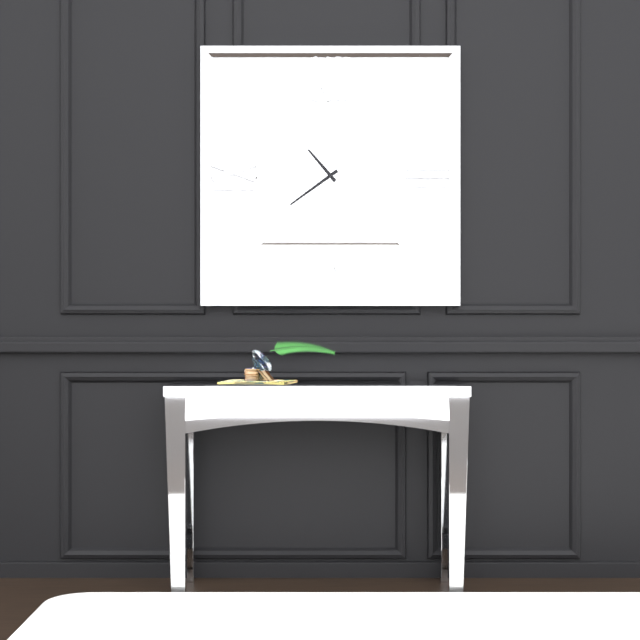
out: 10:39
